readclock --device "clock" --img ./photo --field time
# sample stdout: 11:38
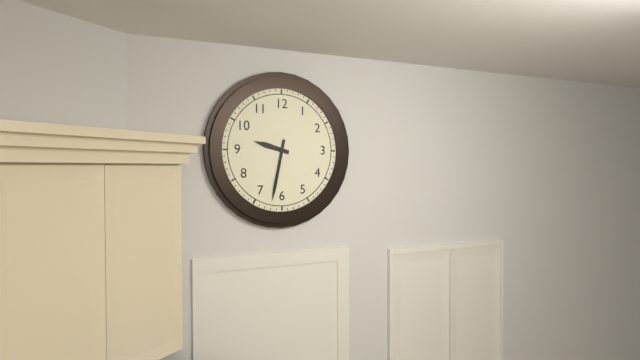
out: 9:32
